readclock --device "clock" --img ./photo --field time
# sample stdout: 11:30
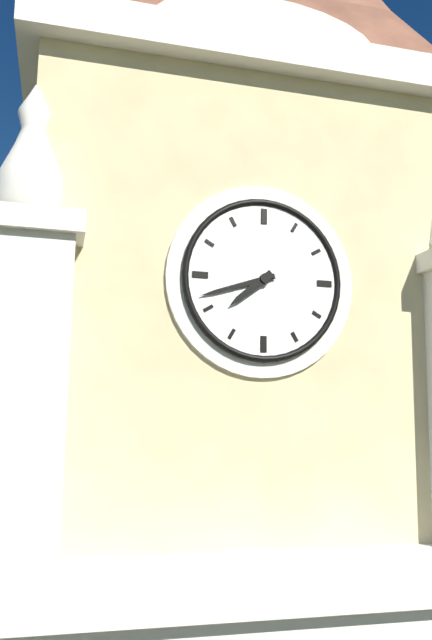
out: 7:42
